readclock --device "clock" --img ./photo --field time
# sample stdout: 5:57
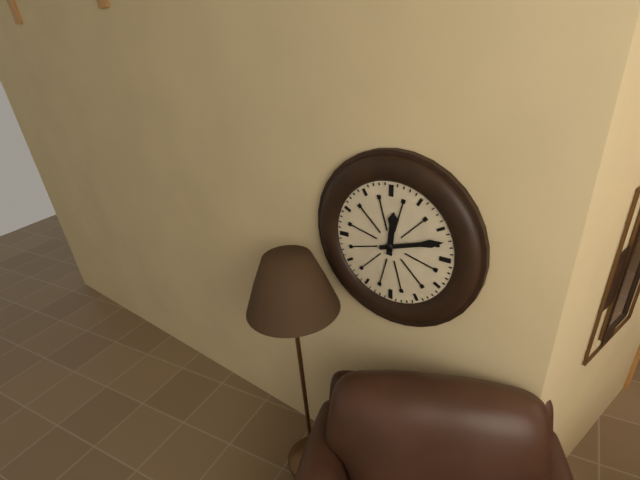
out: 12:12
